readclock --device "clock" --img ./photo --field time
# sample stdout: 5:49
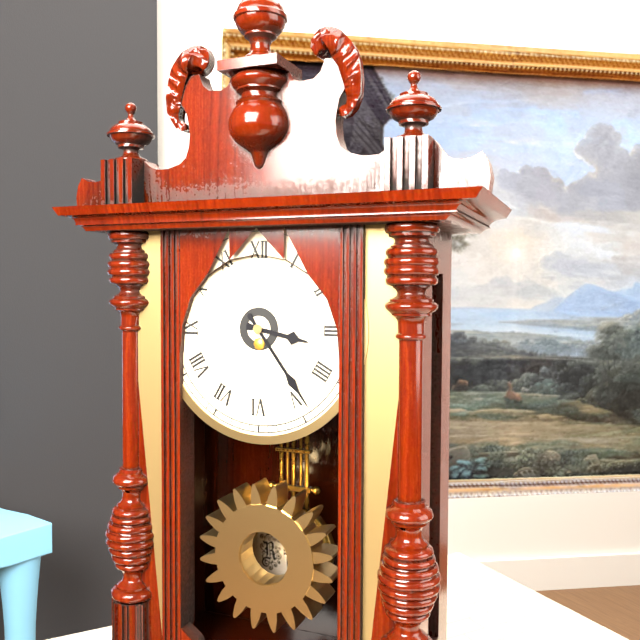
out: 3:24
